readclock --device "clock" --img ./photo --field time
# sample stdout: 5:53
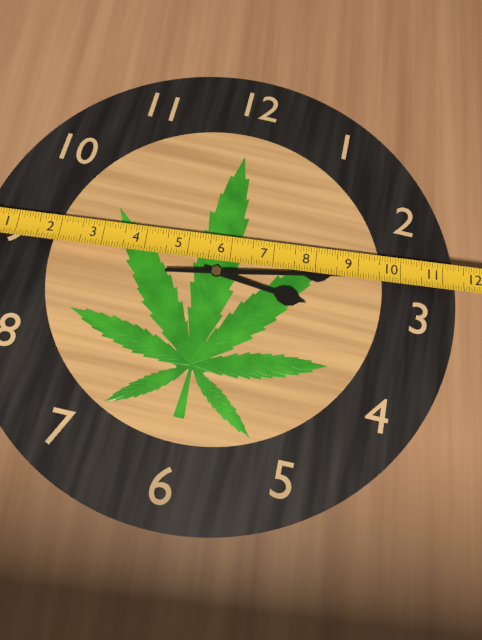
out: 3:13
